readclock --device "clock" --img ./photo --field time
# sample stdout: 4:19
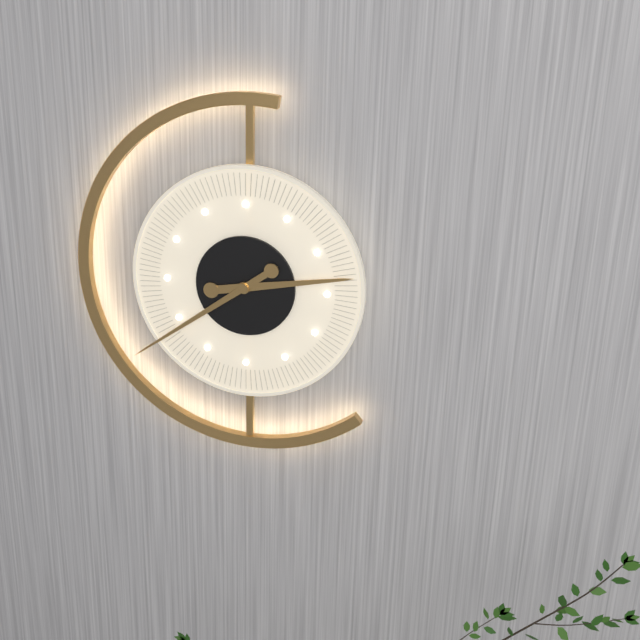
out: 2:39
